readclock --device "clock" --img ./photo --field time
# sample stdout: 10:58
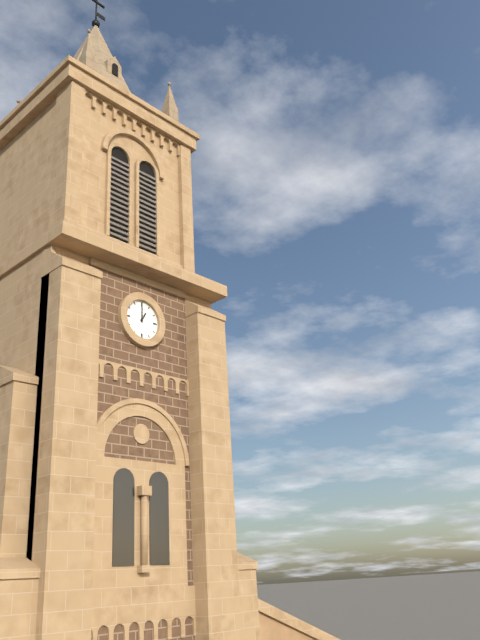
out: 1:00
